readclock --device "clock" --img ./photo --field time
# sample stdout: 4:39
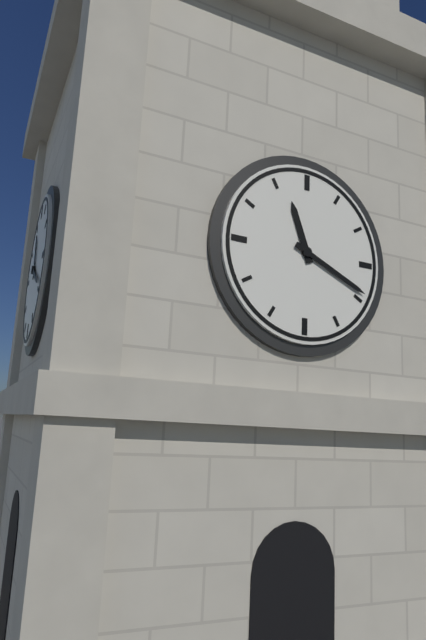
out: 11:19
